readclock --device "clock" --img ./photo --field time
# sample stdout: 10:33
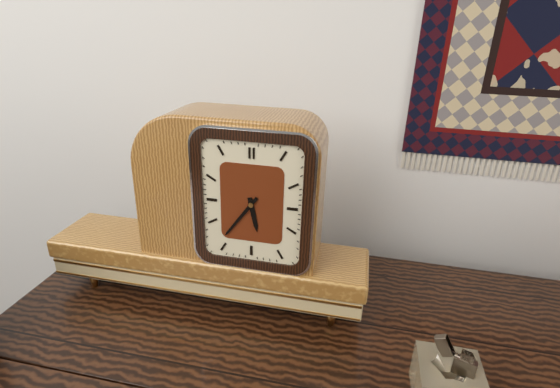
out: 5:36
